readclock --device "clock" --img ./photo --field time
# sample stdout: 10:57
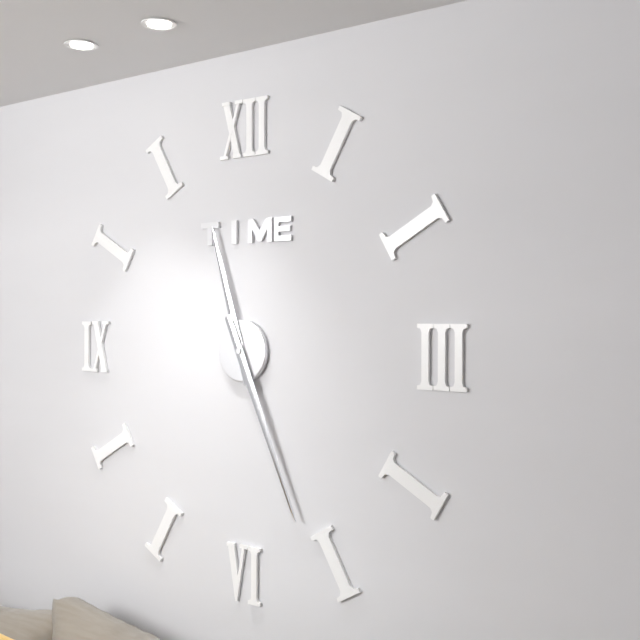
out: 11:26
